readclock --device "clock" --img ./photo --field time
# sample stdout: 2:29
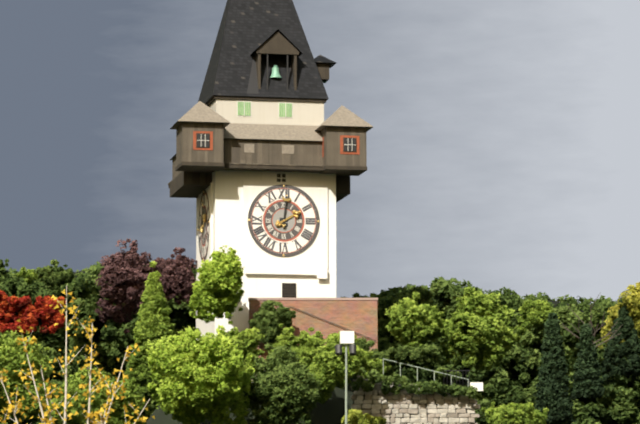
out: 2:01
